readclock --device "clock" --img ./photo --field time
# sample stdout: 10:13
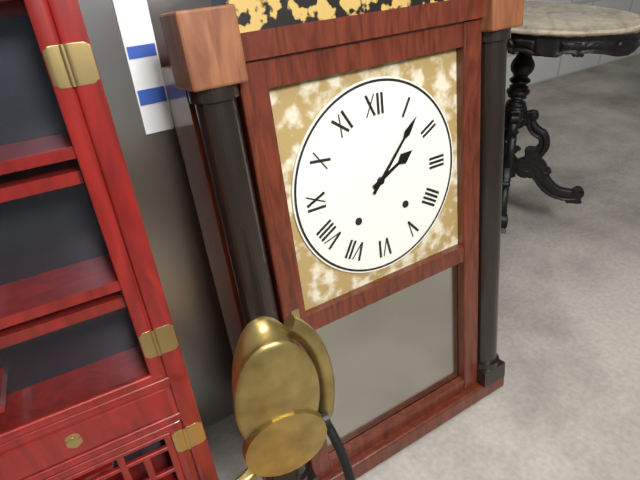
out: 2:07
